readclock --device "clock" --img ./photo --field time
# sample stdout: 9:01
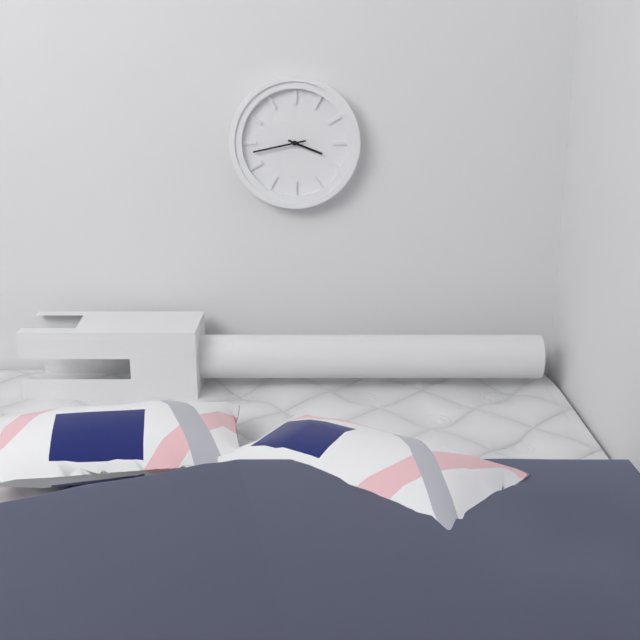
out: 3:43
